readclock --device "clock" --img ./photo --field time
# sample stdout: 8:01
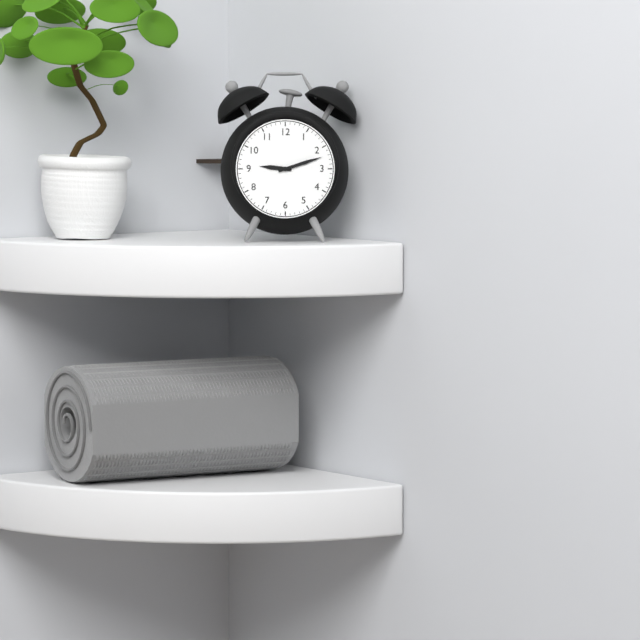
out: 9:12
